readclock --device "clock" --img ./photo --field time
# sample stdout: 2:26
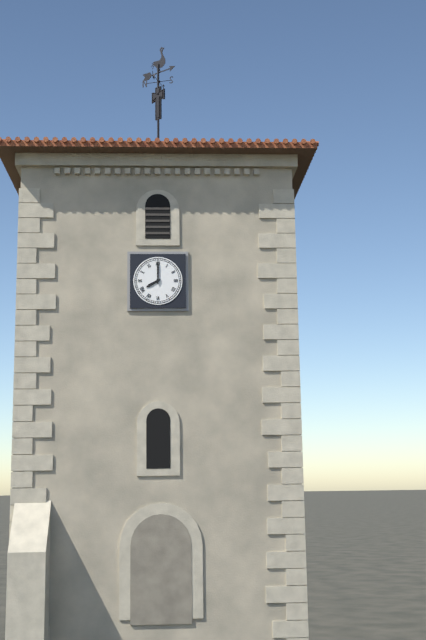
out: 8:00
